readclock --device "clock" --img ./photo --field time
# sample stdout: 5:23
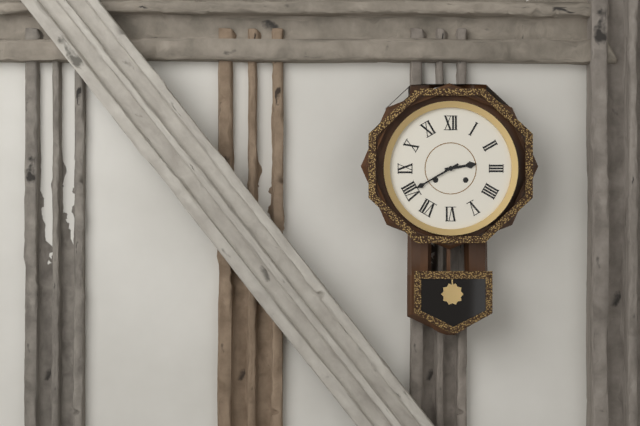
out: 2:40
